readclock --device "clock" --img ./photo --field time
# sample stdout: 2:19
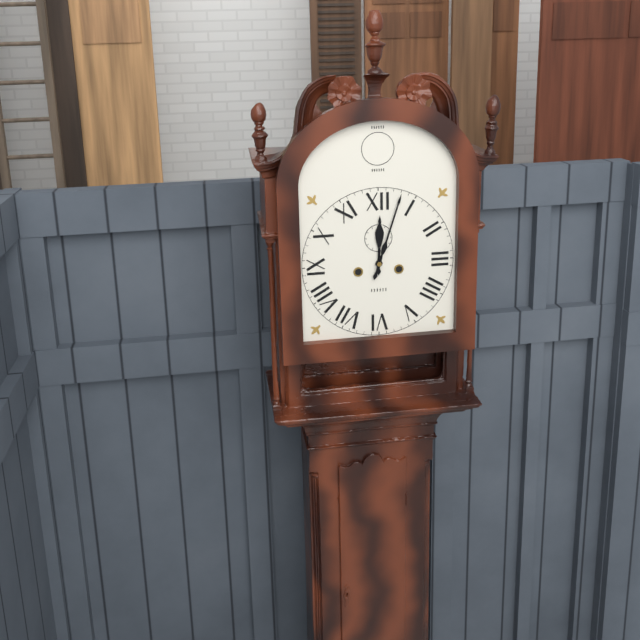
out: 12:03
